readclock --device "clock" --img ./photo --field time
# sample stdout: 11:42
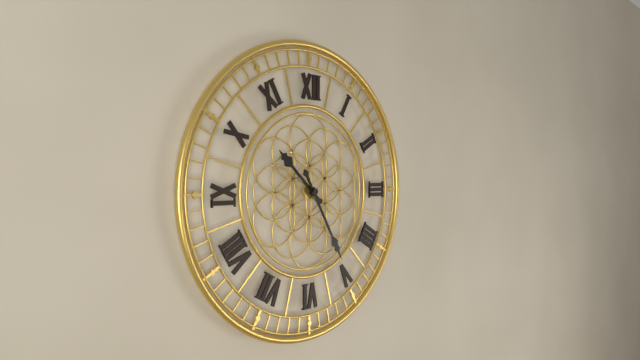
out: 10:25
